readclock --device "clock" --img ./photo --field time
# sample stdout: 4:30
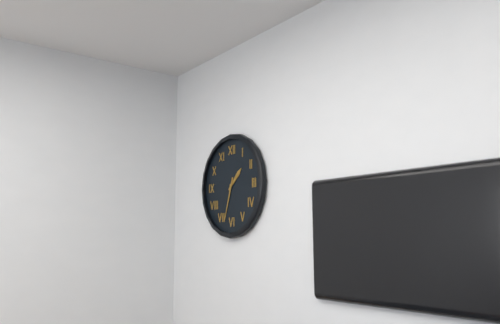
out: 1:33
